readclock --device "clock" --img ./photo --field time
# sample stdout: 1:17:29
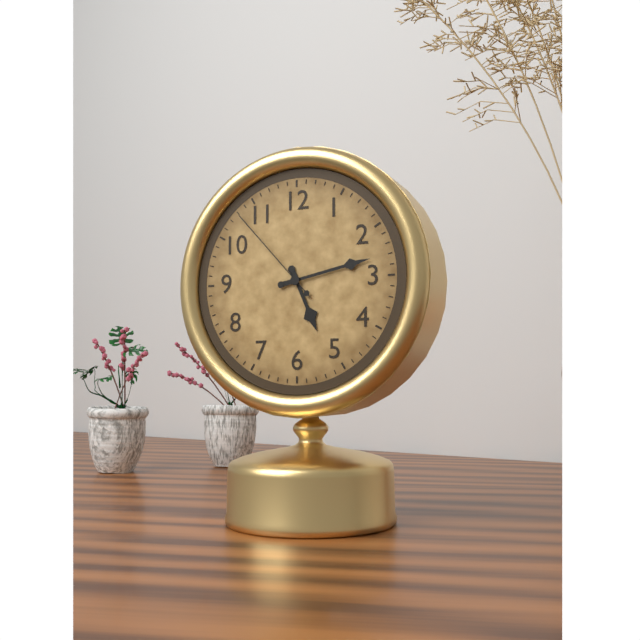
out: 5:13:53
